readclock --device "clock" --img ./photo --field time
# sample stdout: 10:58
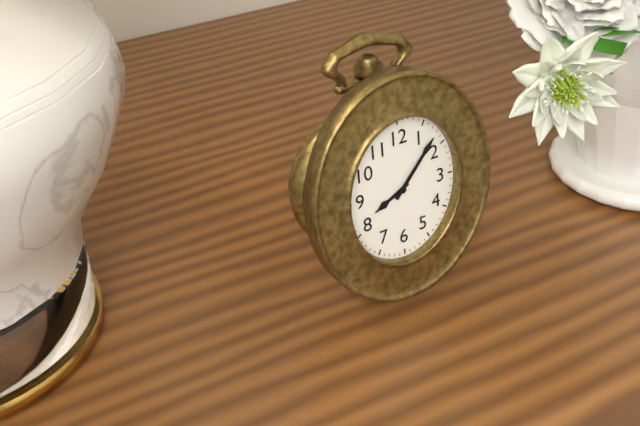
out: 8:07
